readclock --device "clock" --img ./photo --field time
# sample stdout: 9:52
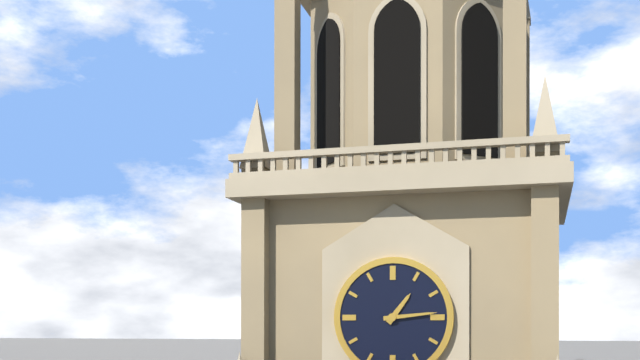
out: 1:14
